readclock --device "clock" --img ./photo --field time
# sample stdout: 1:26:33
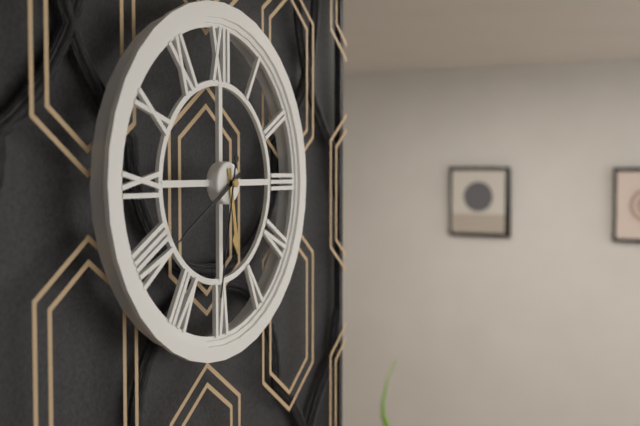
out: 5:40:32
